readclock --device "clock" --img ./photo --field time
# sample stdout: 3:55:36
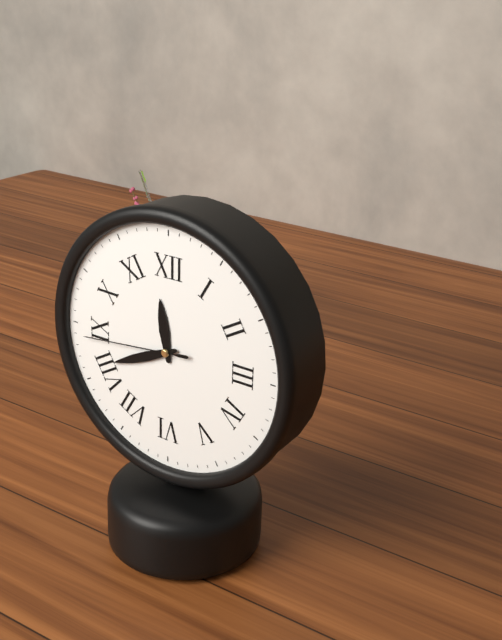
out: 11:41:44
